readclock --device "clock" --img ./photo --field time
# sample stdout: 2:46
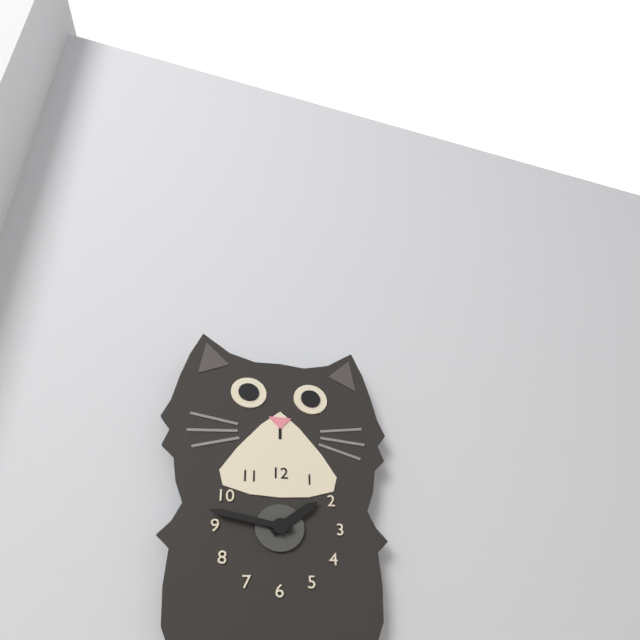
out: 1:47
